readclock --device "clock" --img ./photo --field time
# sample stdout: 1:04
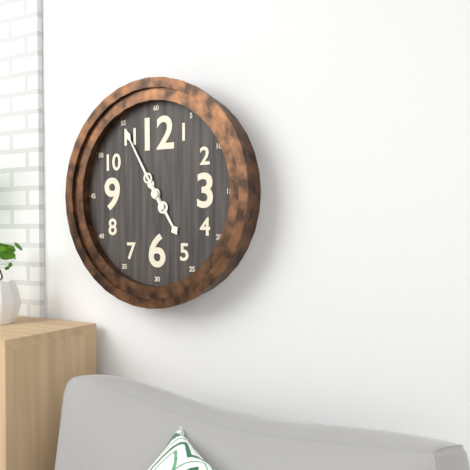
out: 4:55
